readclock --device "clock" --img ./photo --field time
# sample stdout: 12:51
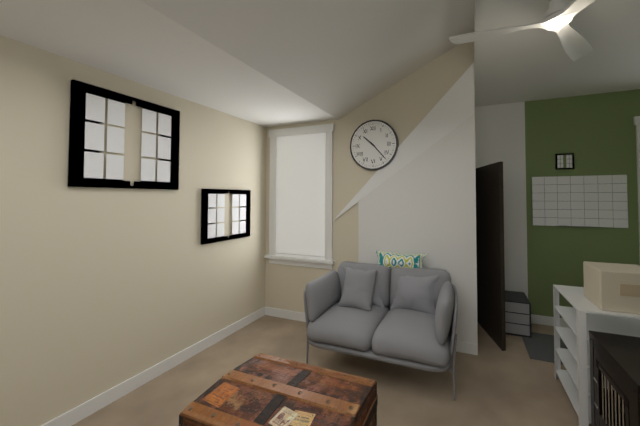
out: 10:23
